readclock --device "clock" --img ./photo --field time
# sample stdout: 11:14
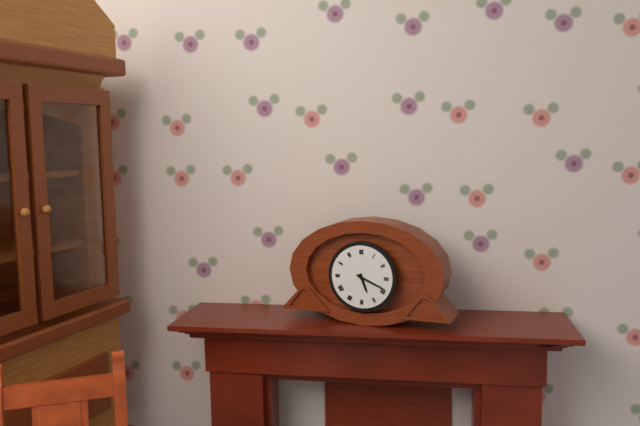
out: 5:19
